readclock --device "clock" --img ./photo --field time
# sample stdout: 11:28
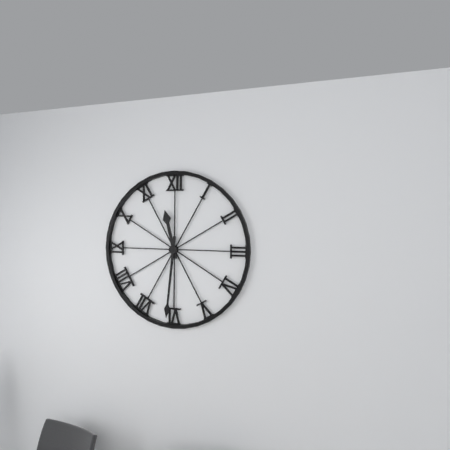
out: 11:31
